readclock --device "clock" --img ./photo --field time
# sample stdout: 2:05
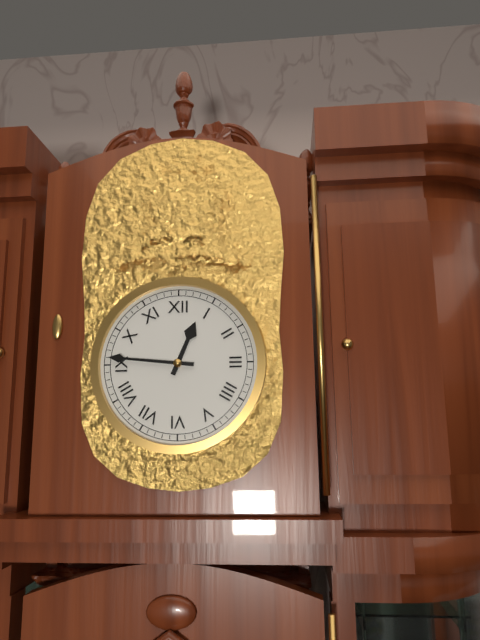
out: 12:46
